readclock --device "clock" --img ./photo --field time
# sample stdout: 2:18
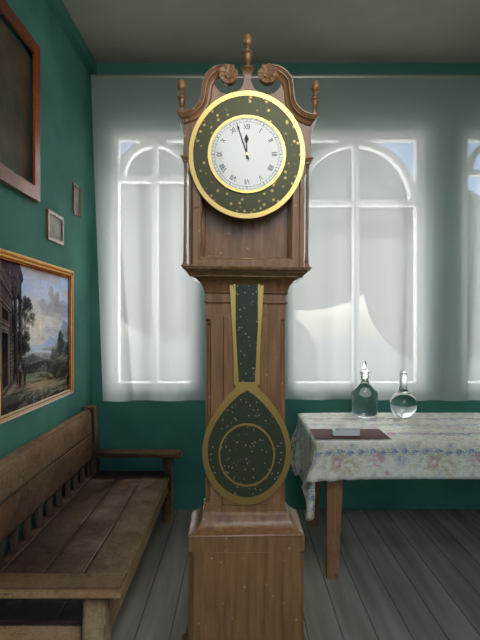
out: 11:57
